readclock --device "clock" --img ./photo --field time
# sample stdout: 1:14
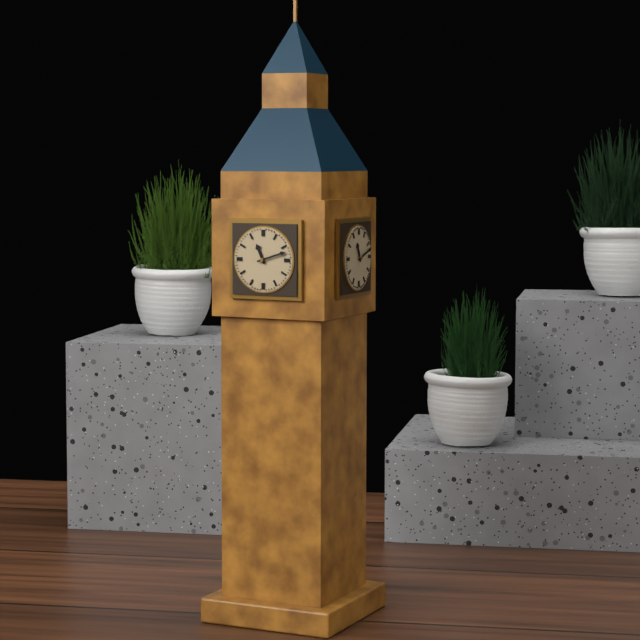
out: 11:12
